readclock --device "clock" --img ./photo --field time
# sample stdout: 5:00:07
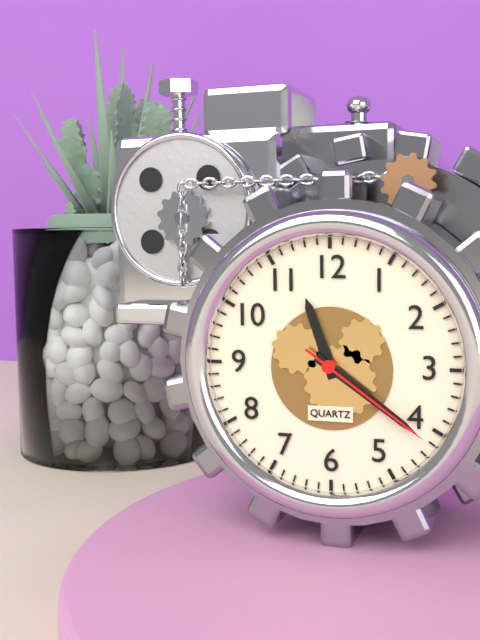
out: 11:21:21
